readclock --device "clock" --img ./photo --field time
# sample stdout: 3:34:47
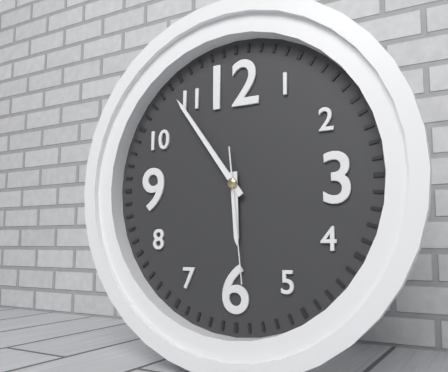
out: 5:54:29
